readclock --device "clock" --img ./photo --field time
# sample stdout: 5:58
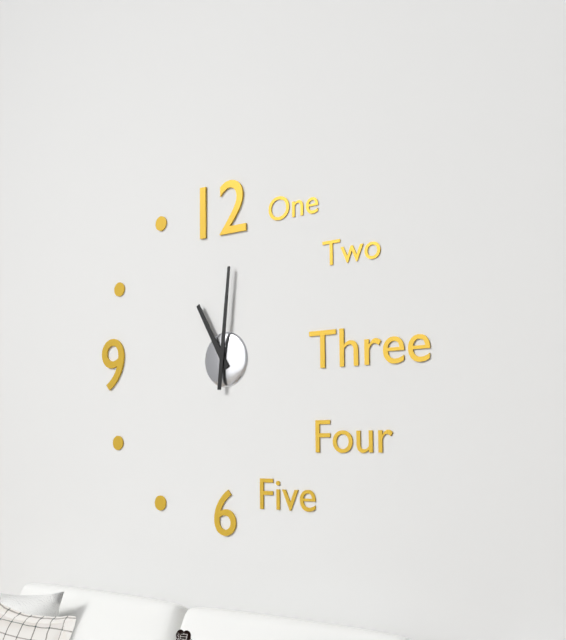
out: 11:01
